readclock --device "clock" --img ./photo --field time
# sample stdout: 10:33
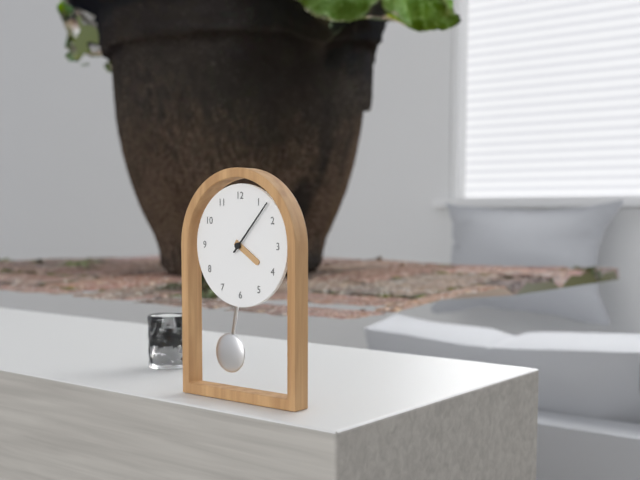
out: 4:07
